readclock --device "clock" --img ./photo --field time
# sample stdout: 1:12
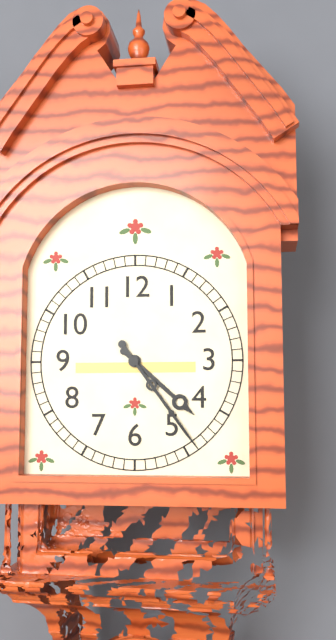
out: 4:24
